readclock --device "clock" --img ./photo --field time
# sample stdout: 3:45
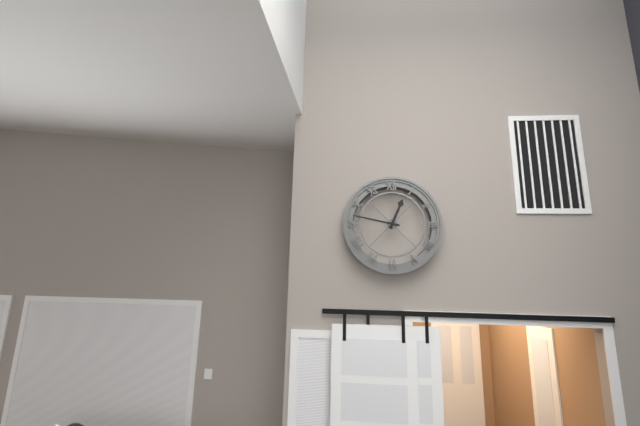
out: 12:47
